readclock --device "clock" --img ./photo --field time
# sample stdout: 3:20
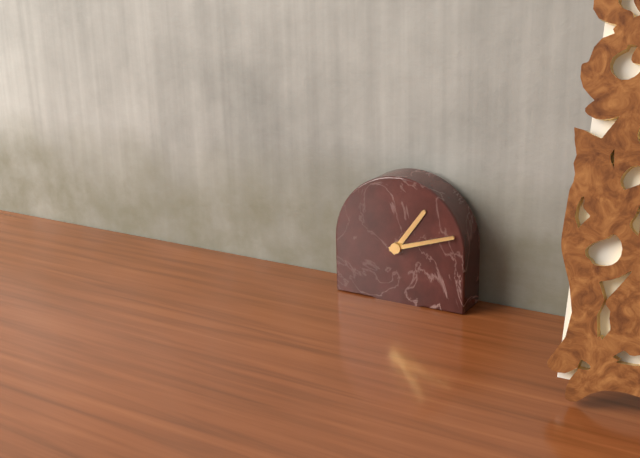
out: 1:12
